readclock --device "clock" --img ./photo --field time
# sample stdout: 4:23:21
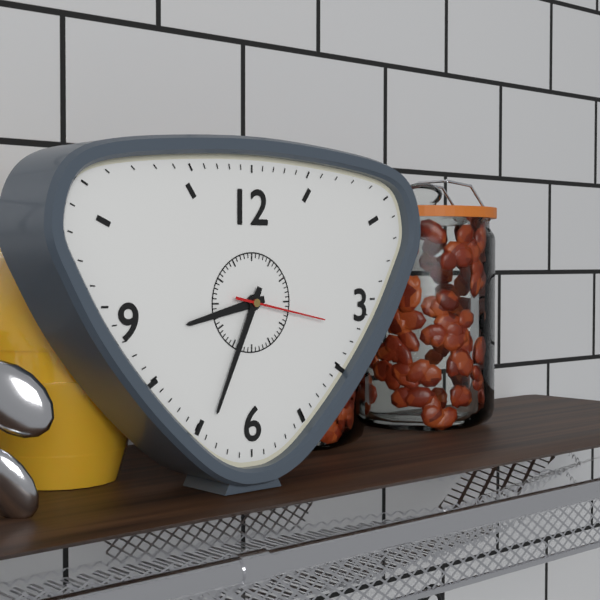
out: 8:34:17
